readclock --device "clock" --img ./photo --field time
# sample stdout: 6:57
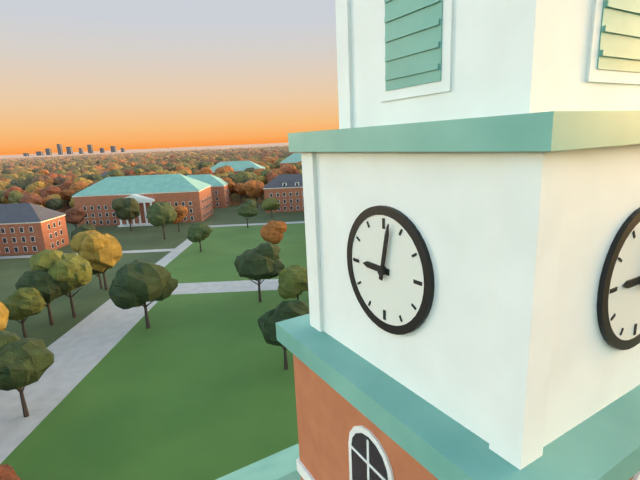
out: 9:02
